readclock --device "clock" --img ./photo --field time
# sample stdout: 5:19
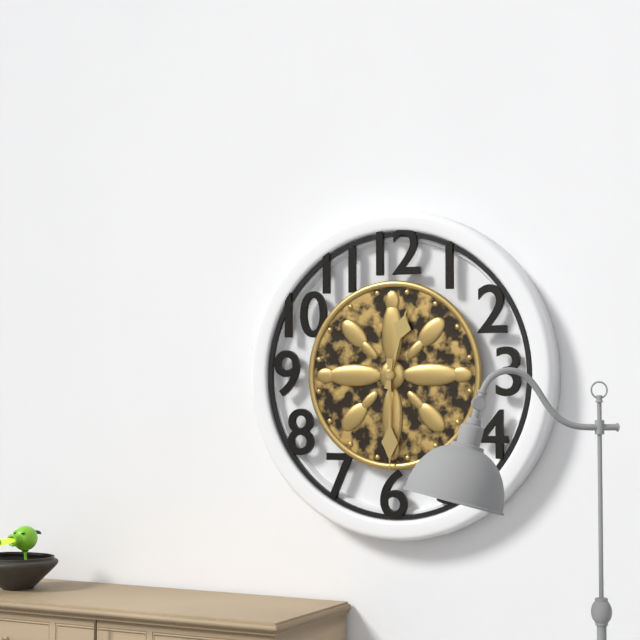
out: 12:30
